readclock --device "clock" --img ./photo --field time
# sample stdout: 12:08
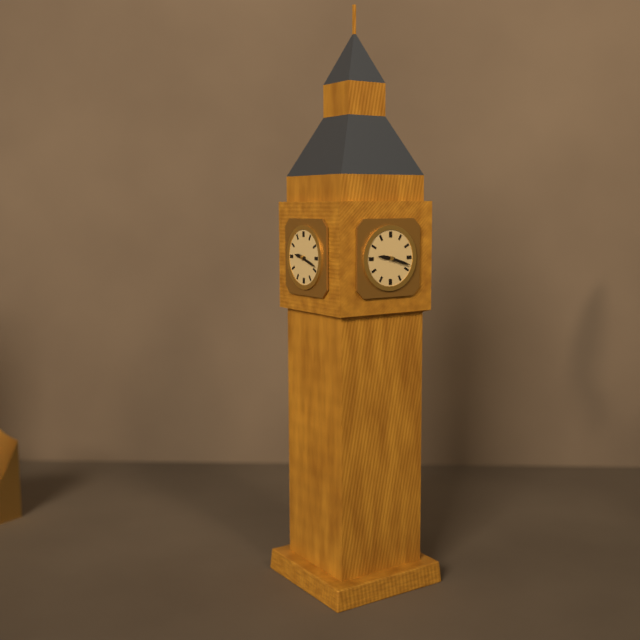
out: 9:18
